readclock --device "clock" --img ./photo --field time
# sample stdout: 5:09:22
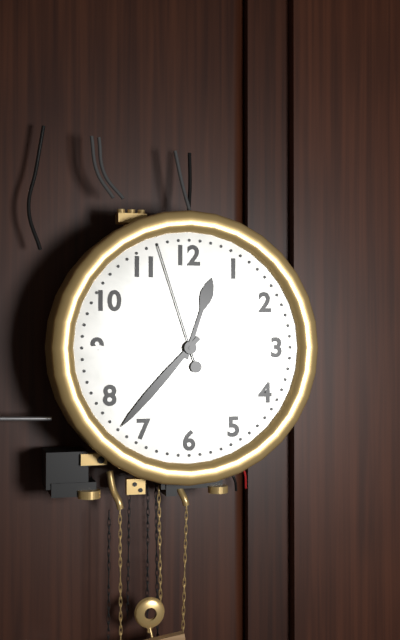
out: 12:37:57
